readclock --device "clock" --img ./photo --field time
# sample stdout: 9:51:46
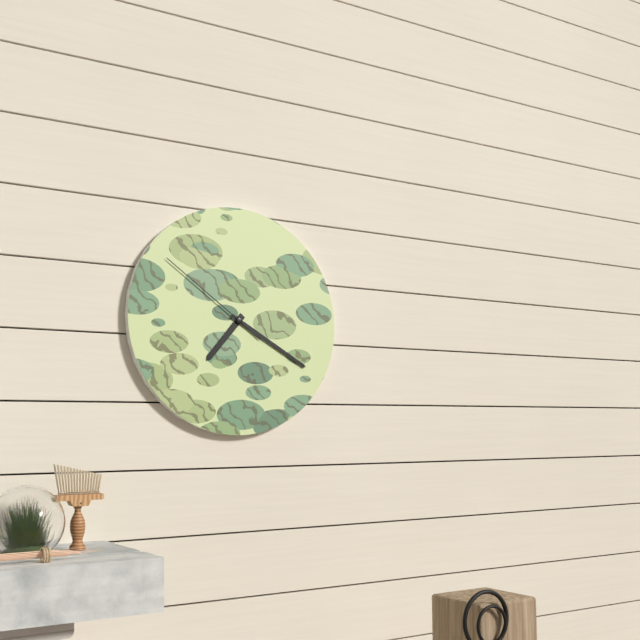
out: 7:20:51
